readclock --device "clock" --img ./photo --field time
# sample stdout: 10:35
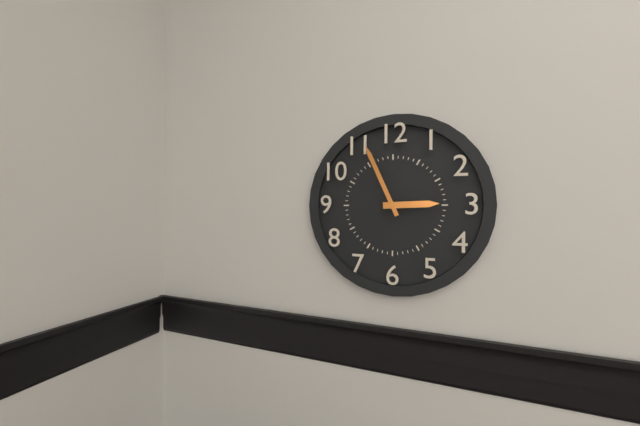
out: 2:56
